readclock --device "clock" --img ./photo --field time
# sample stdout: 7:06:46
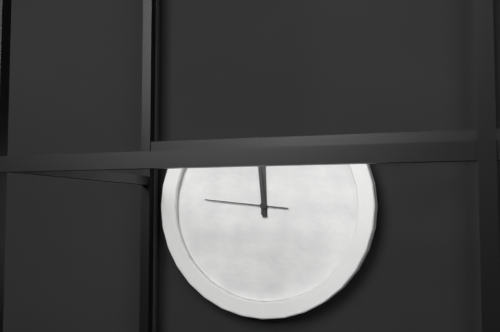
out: 11:59:46
